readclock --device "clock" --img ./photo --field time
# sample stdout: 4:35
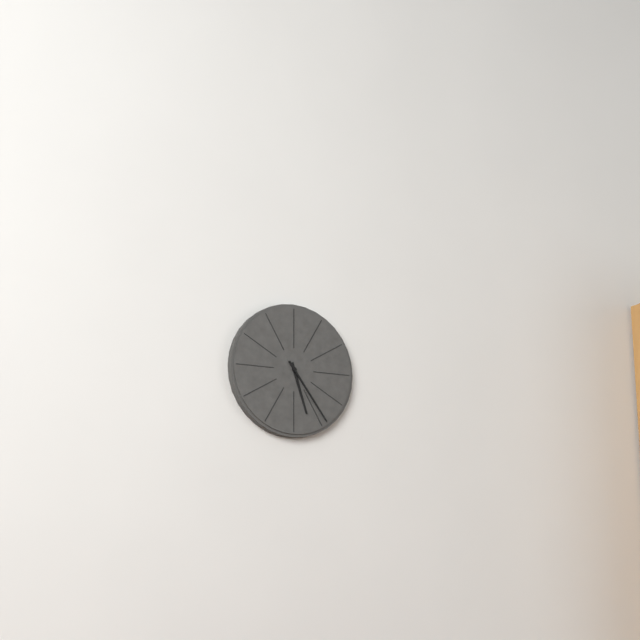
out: 5:24
